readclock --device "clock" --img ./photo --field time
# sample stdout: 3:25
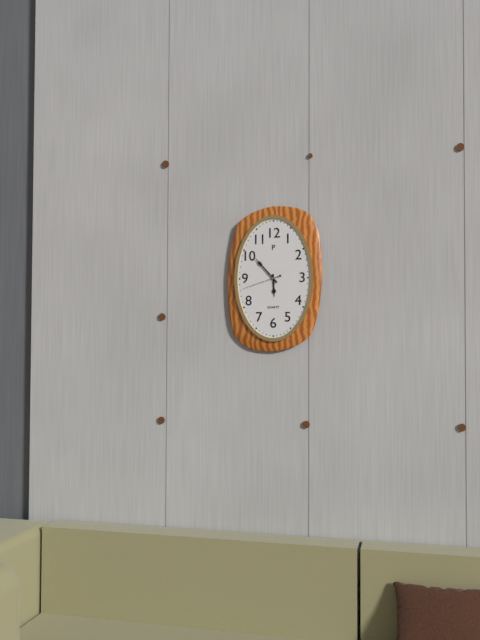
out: 5:53
